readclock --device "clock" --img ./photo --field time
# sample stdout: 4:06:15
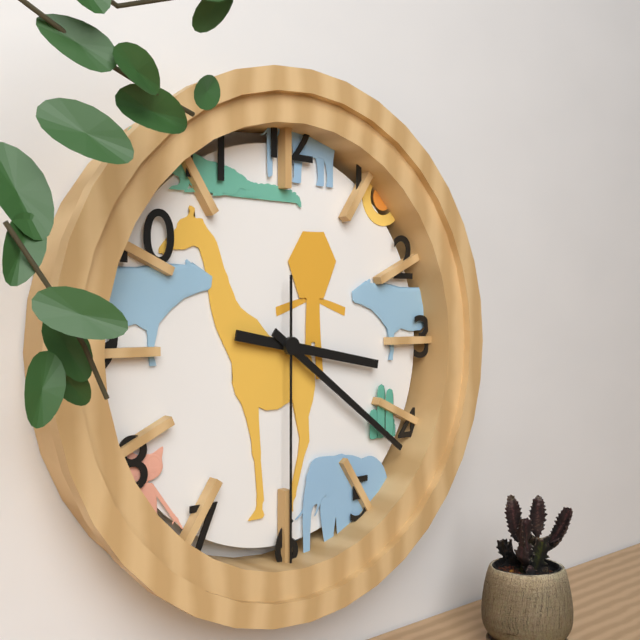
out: 3:21:30
